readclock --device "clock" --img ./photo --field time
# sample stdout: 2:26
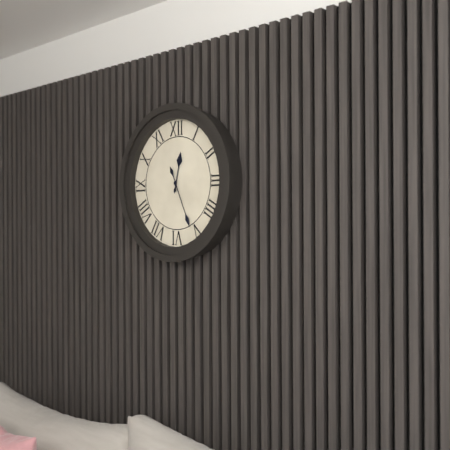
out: 12:26
